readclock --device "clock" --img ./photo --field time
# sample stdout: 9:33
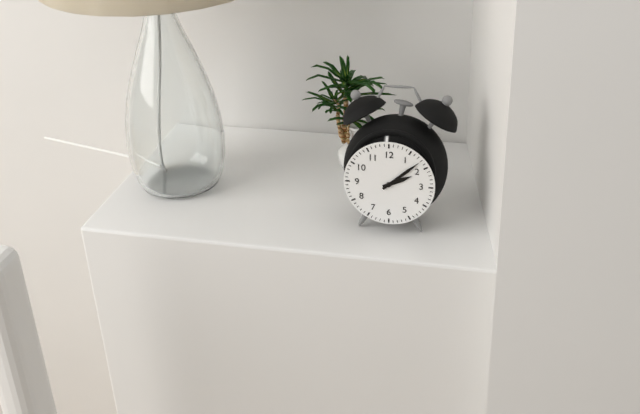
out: 2:08
